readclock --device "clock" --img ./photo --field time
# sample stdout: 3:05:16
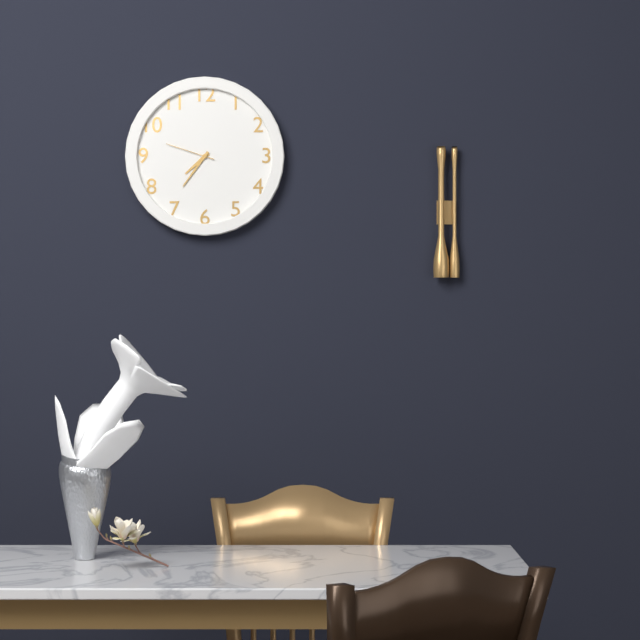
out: 7:36:48
